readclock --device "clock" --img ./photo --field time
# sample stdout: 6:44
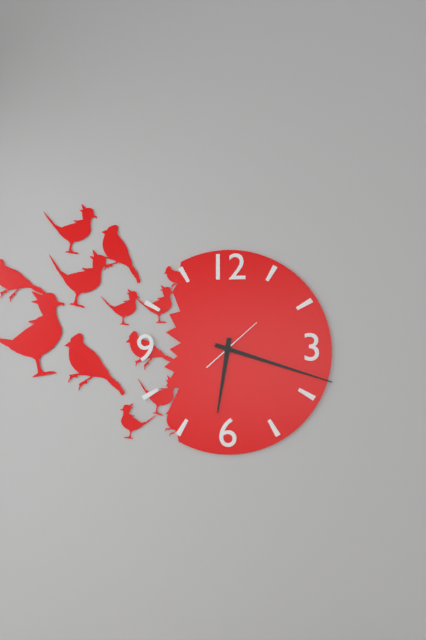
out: 6:18
